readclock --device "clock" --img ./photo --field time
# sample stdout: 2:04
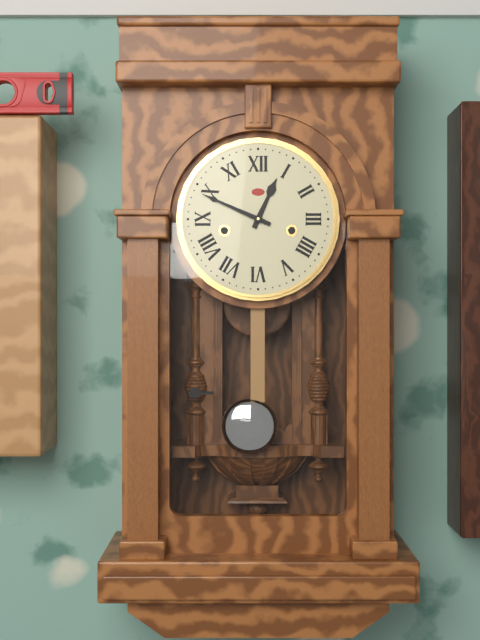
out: 12:49
